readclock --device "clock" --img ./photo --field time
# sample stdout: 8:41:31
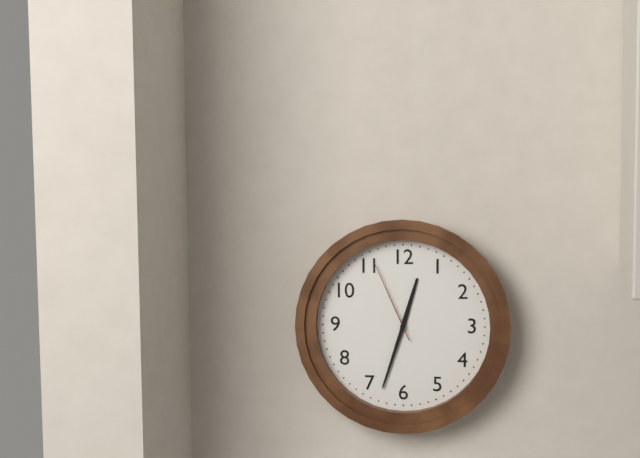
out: 12:33:56
